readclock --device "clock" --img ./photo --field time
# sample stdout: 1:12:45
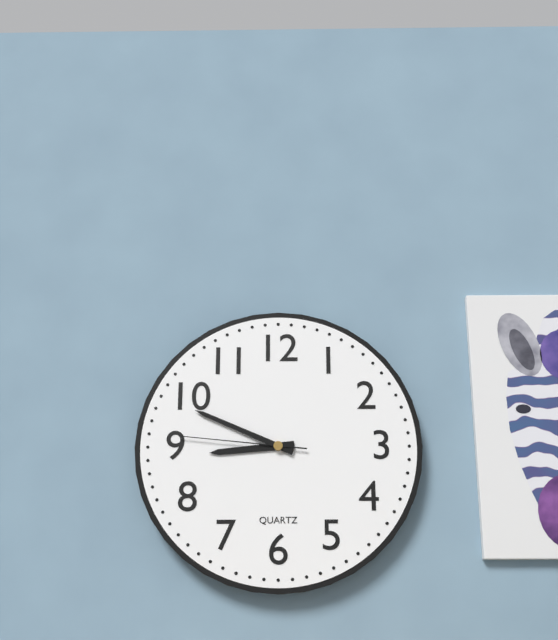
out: 8:49:46
